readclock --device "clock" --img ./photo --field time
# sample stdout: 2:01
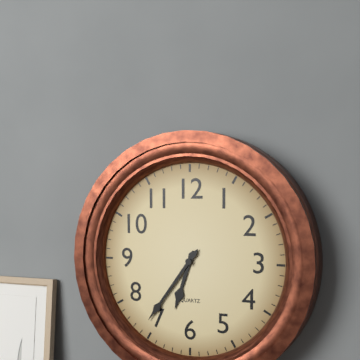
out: 6:36
